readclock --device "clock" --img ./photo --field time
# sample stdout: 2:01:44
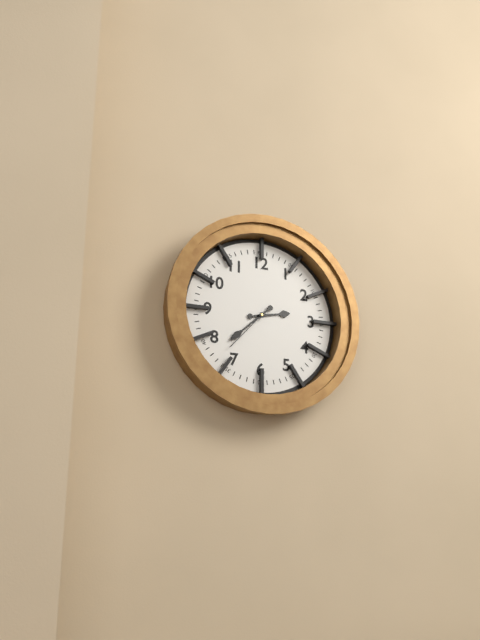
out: 2:38:37
